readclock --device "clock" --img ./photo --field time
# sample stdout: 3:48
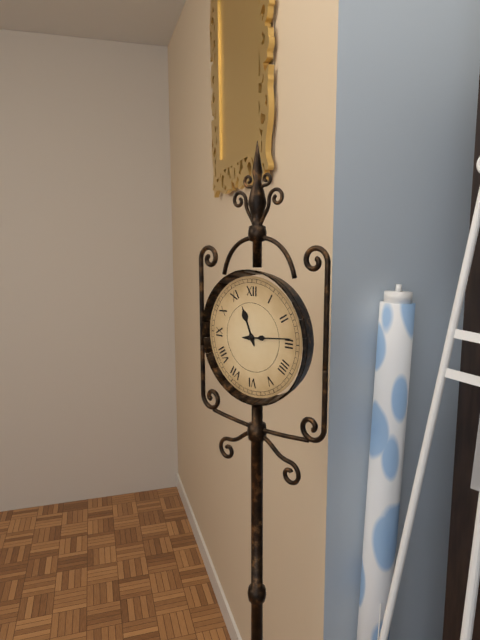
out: 11:14
